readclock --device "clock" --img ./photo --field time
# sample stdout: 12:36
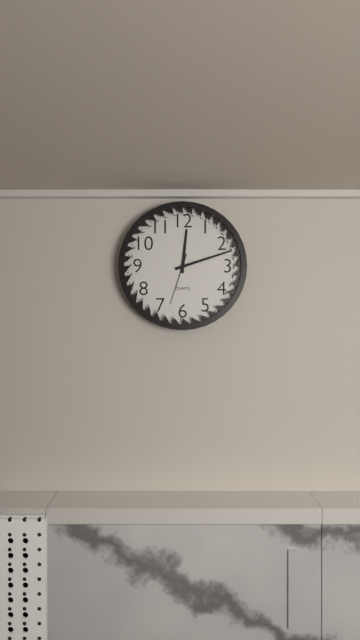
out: 12:12
